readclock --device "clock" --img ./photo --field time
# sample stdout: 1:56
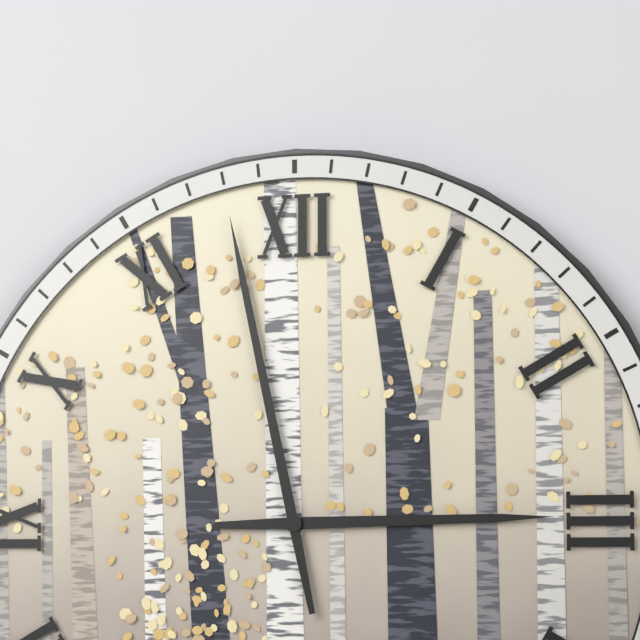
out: 2:58
